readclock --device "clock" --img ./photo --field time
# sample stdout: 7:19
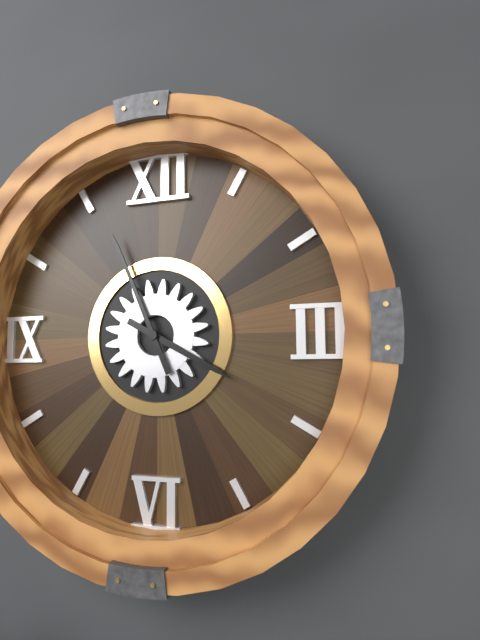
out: 3:56
